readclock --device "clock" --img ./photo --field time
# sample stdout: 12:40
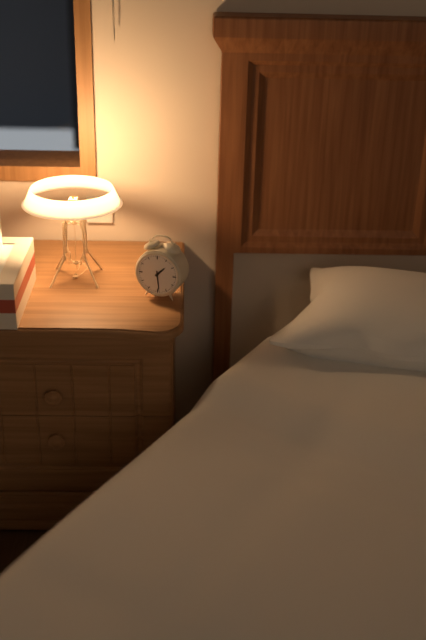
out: 1:29
